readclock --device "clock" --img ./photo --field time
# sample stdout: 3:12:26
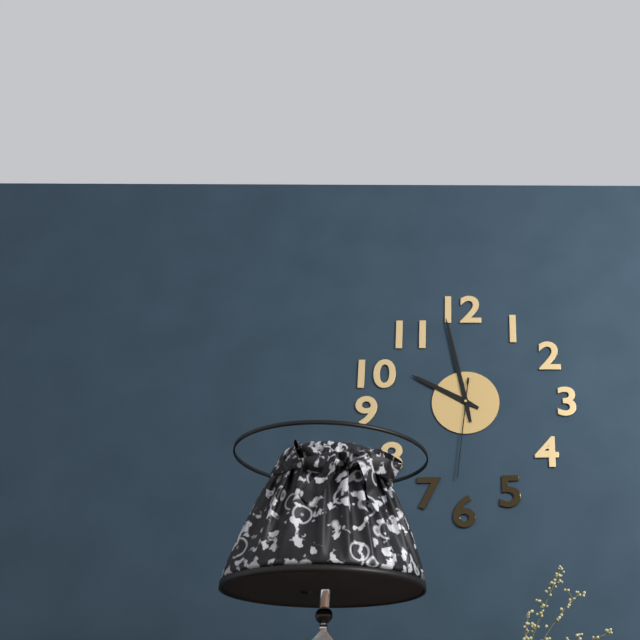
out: 9:58:31
